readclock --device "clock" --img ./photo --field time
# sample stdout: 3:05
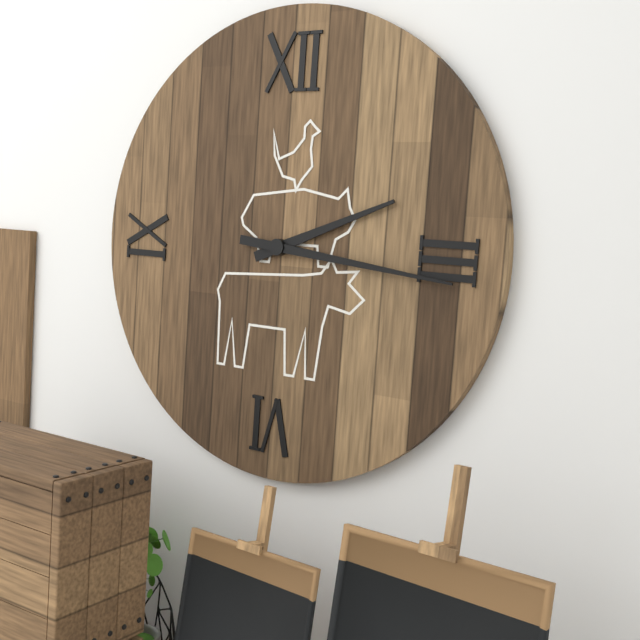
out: 2:16
